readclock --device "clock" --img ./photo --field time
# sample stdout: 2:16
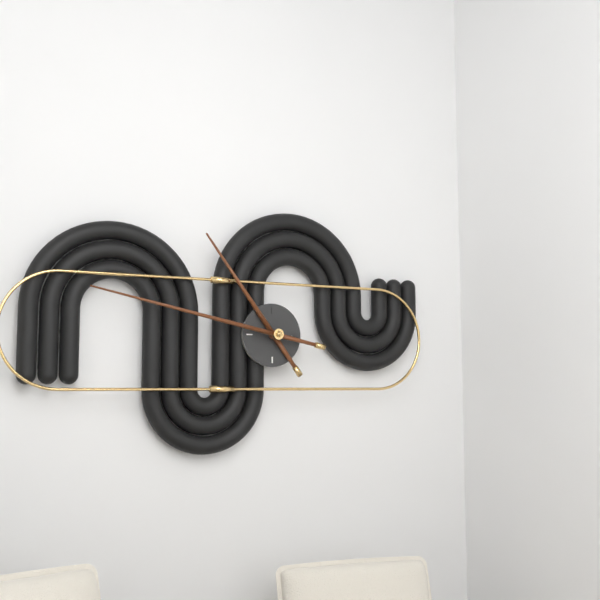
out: 10:47
